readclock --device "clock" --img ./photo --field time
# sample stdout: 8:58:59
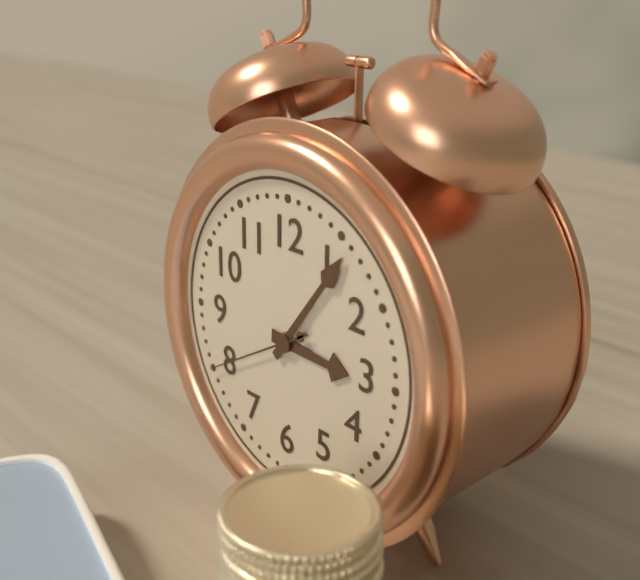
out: 3:06:40
